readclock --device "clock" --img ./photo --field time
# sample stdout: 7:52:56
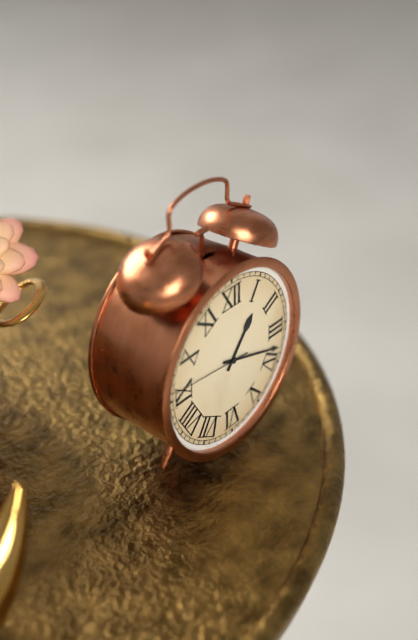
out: 1:18:46
